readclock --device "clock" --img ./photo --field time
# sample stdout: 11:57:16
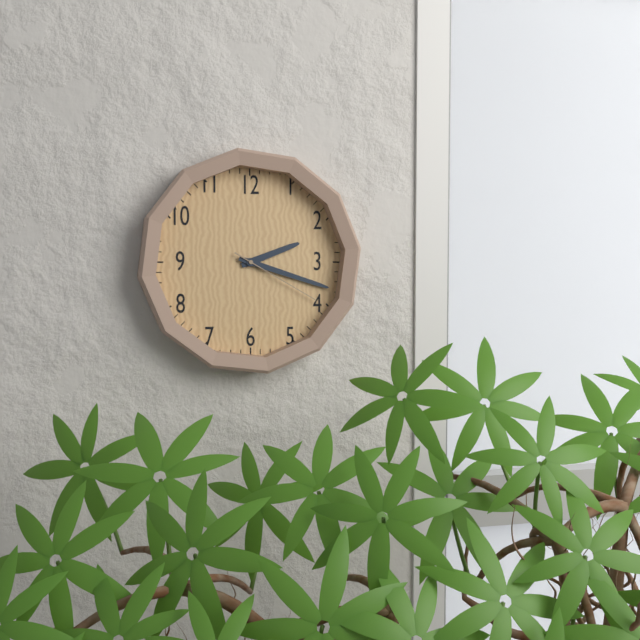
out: 2:18:20
